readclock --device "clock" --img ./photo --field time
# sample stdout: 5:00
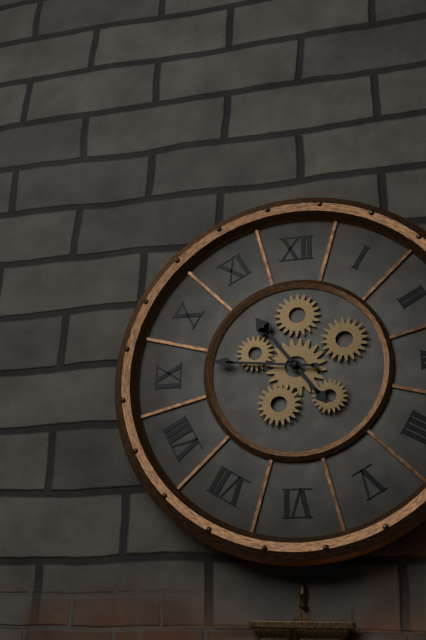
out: 10:46
